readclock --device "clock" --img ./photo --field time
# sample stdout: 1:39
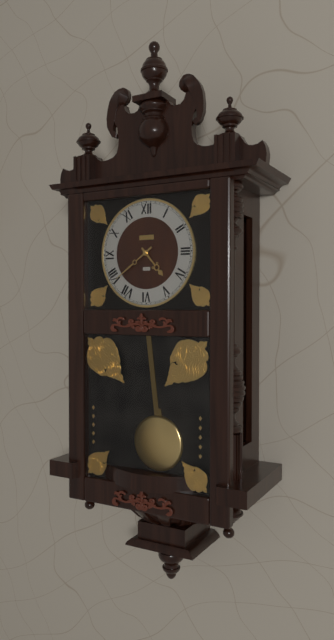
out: 4:39
